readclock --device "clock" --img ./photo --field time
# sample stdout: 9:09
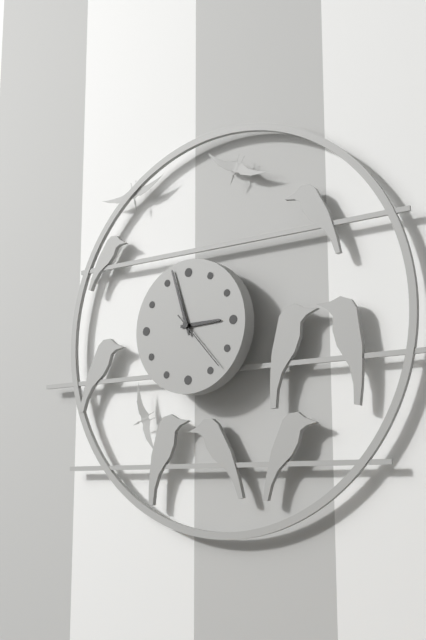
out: 2:57
